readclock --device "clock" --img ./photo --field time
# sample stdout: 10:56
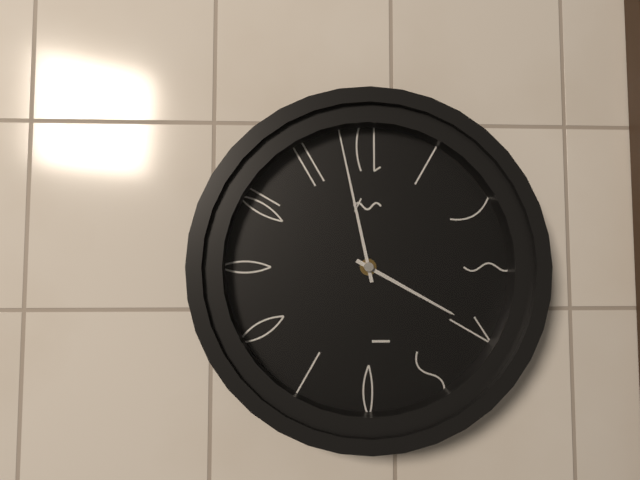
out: 3:58
